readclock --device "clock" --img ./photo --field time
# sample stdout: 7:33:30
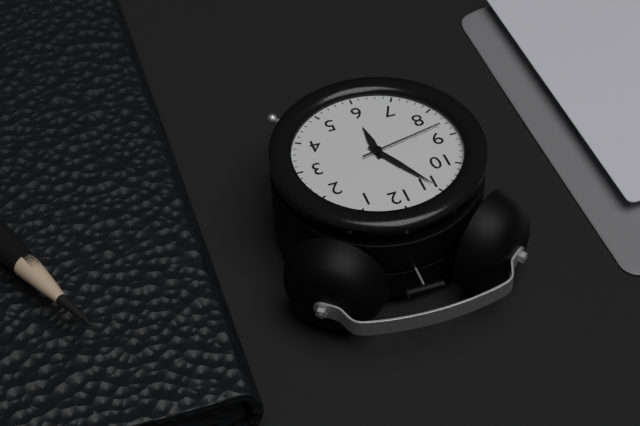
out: 5:55:43
